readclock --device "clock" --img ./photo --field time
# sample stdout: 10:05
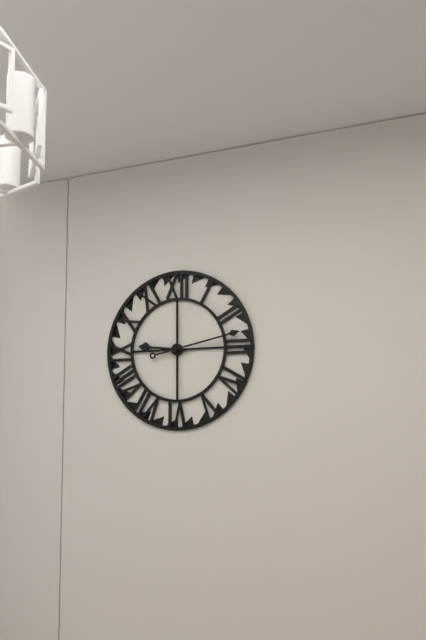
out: 9:13
